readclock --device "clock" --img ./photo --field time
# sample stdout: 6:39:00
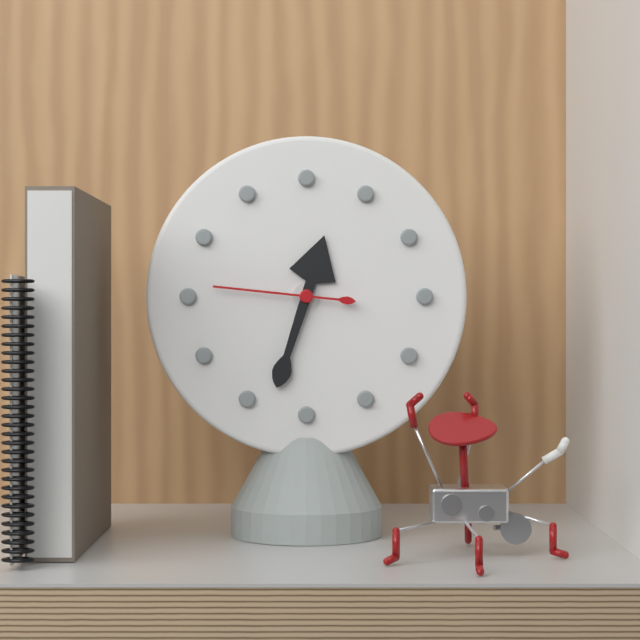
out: 12:33:46
